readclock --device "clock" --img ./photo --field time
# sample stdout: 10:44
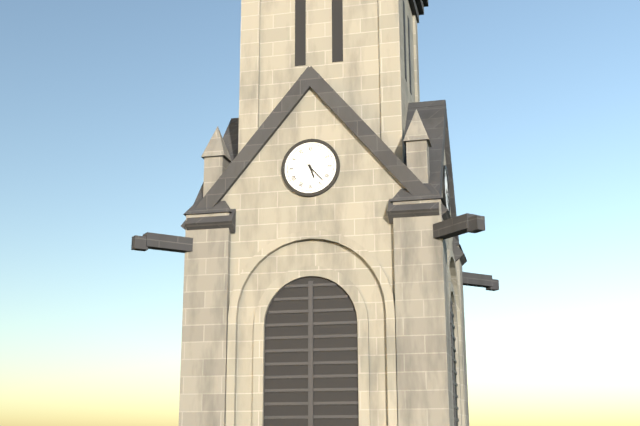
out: 5:23
